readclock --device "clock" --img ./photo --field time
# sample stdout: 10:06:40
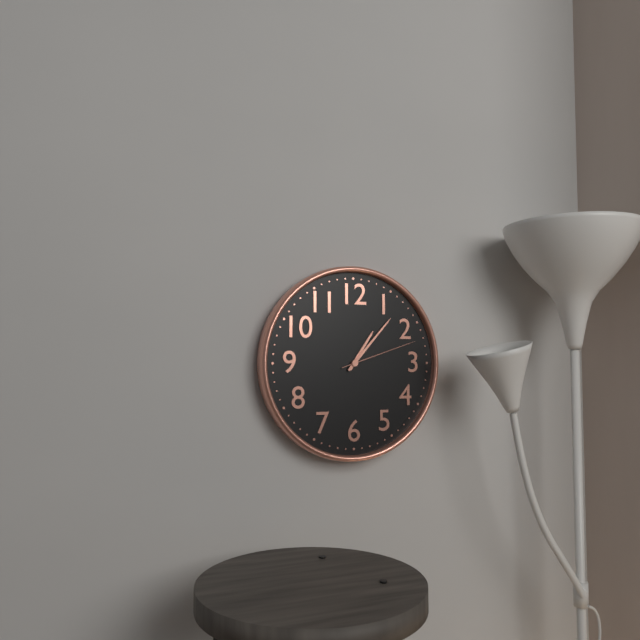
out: 1:07:12
